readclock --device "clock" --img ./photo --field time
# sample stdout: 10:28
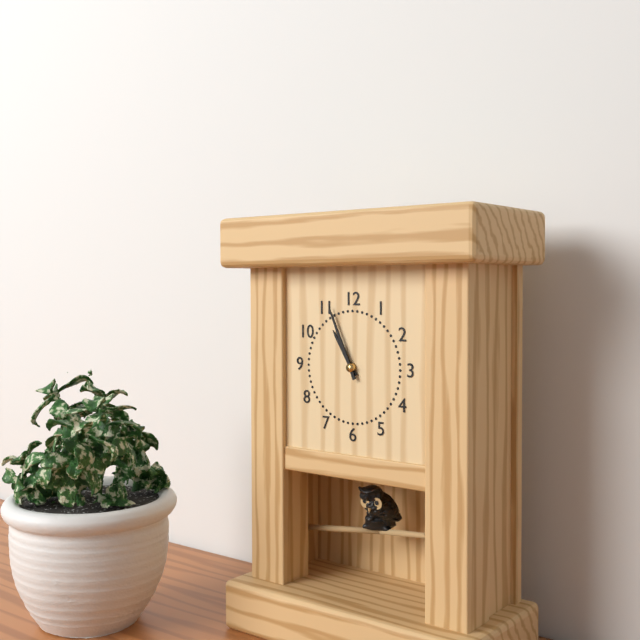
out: 10:56
